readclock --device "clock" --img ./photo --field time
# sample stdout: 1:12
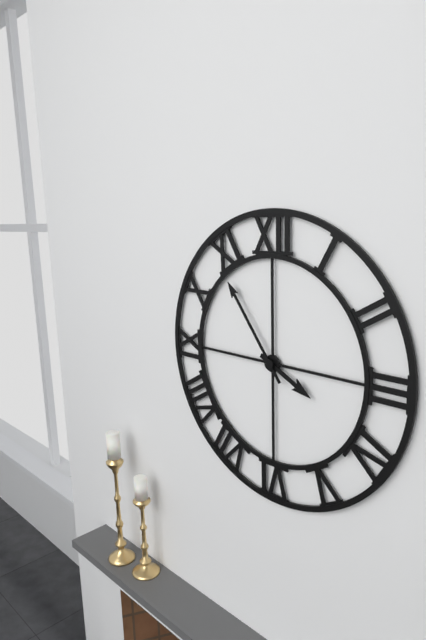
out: 3:54
